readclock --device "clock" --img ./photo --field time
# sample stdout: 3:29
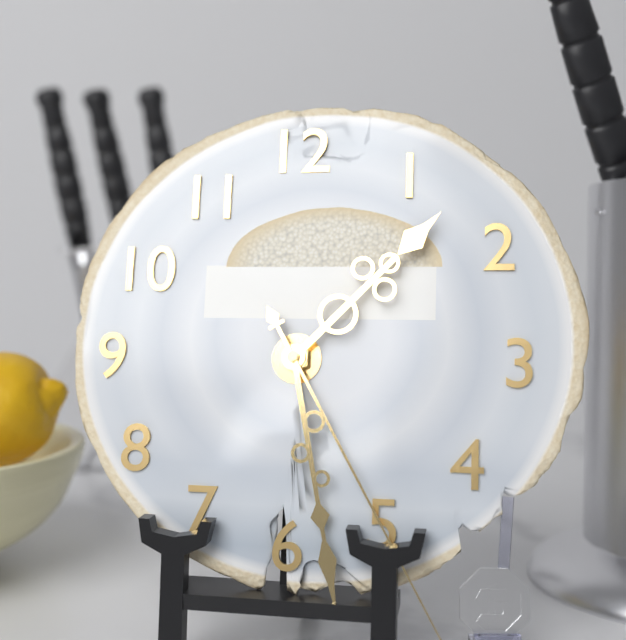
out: 1:28
